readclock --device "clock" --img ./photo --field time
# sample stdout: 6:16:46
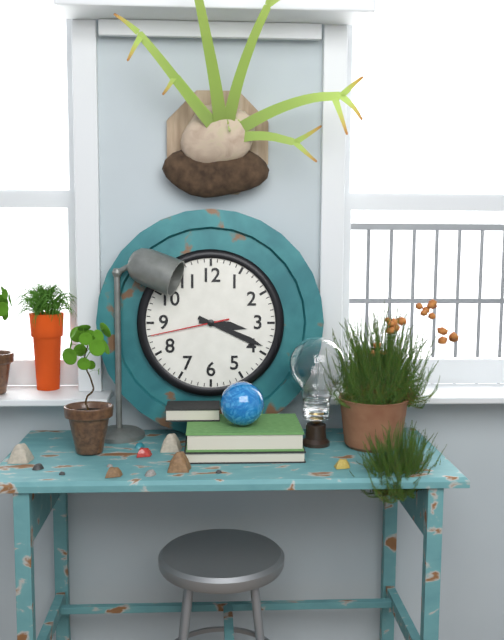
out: 3:19:43
